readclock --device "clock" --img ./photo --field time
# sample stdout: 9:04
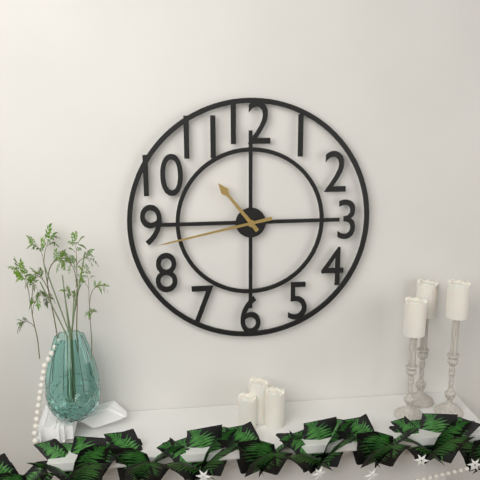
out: 10:43
